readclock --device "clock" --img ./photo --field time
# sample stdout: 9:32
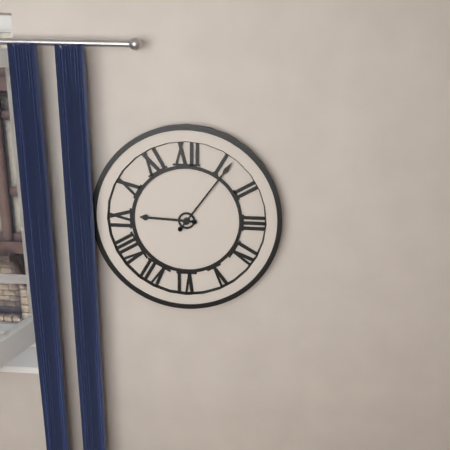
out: 9:06
